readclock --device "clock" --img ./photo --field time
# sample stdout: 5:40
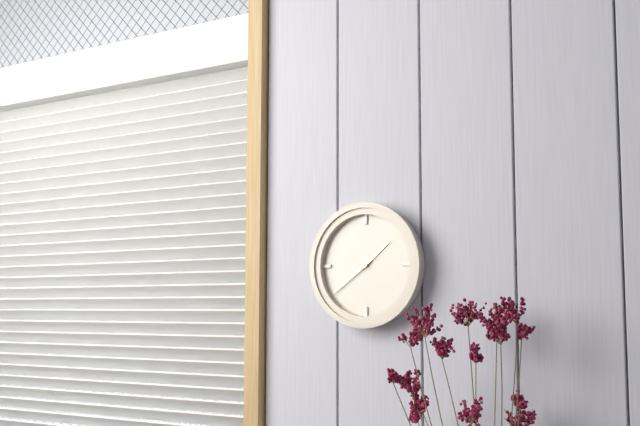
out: 1:39
